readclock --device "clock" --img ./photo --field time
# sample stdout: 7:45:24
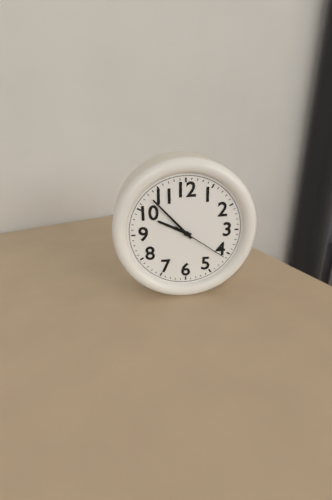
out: 9:53:21
